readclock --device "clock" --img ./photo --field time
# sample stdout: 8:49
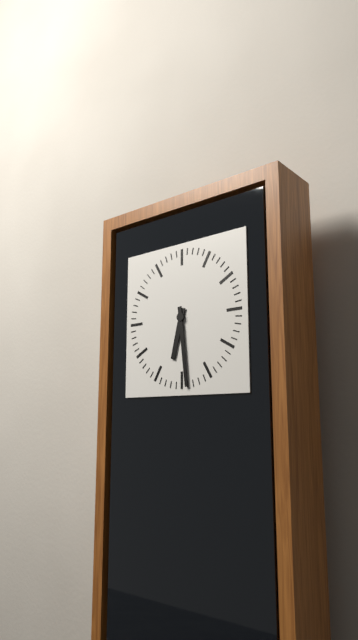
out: 6:29
